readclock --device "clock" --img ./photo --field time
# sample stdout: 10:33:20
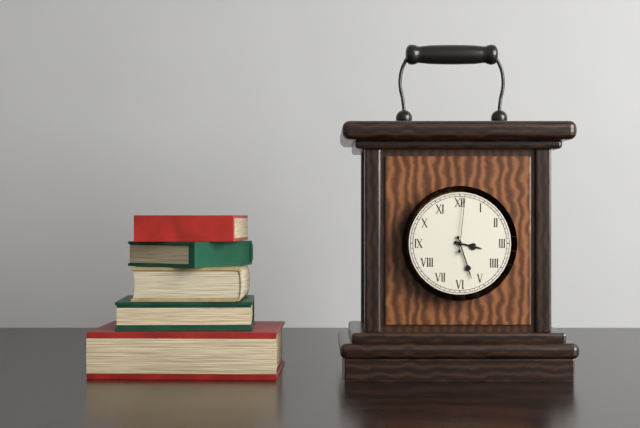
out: 3:27:01
